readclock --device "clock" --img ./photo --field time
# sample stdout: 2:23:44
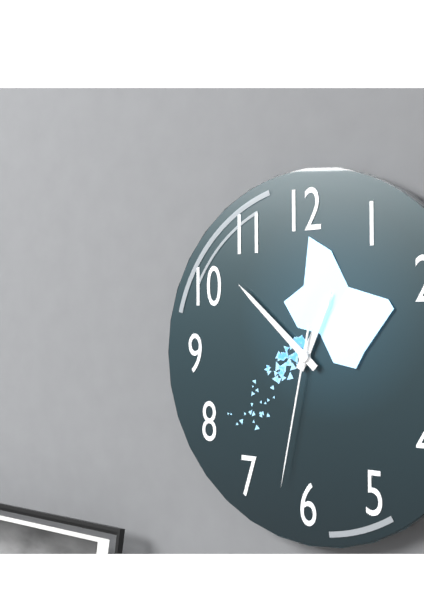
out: 12:52:32
